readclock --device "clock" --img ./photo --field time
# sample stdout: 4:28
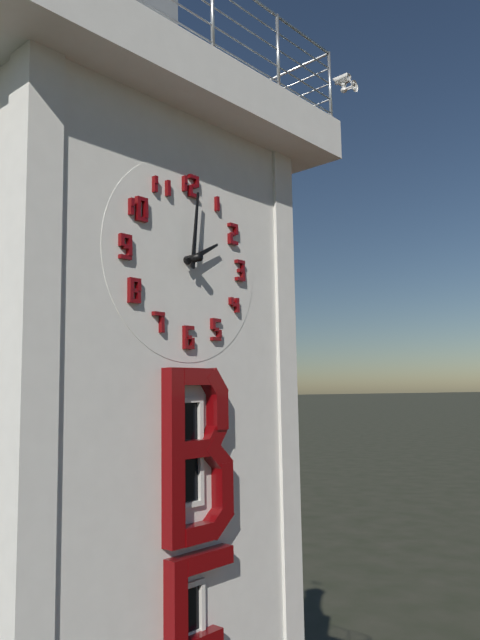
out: 2:01
